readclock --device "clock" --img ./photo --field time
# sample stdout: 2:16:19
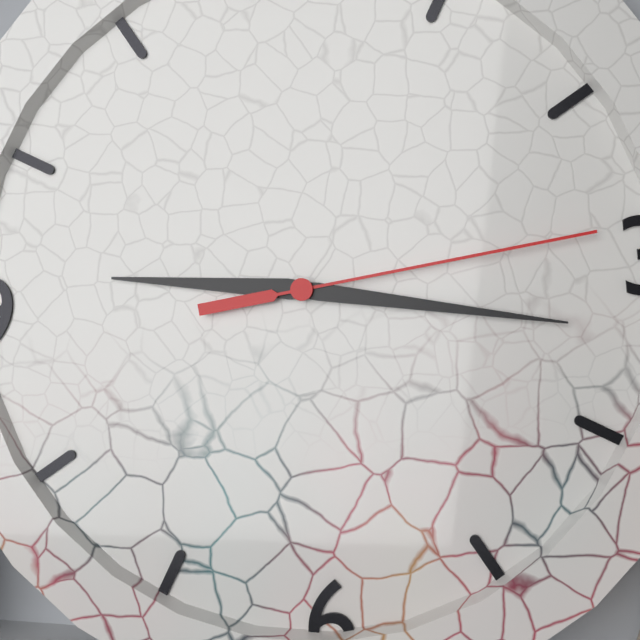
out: 9:17:14
